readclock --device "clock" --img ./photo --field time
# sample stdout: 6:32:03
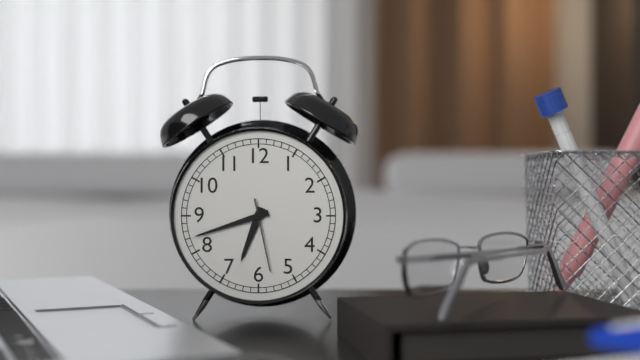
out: 6:42:28
